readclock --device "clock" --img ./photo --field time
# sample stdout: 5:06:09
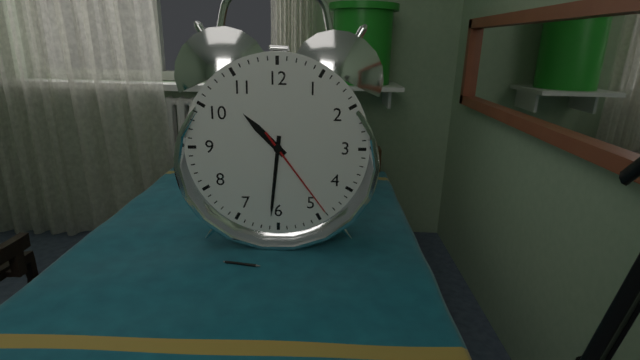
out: 10:31:24
